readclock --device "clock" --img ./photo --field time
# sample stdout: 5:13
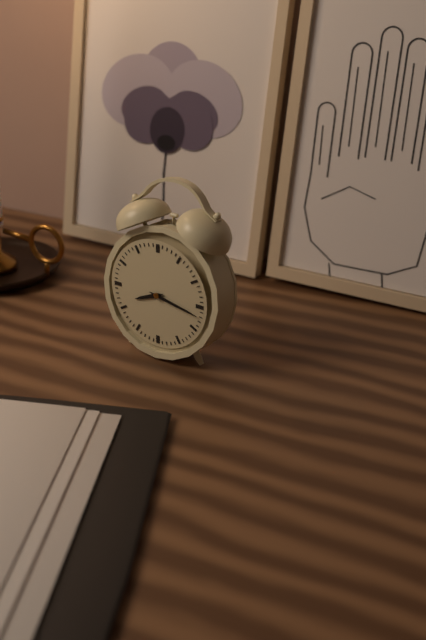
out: 8:17
